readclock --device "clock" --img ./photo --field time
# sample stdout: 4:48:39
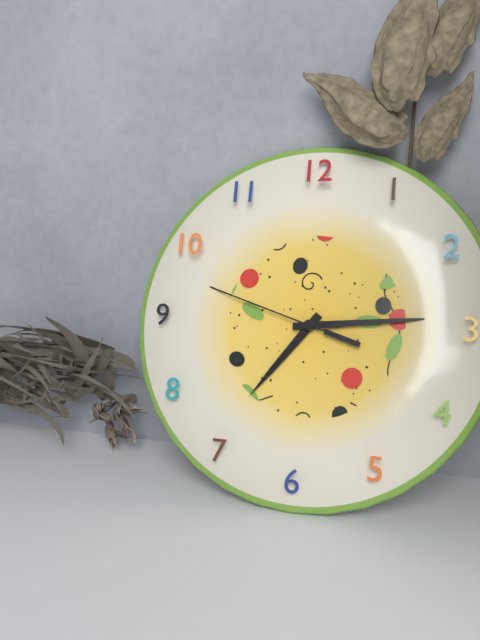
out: 7:14:48
